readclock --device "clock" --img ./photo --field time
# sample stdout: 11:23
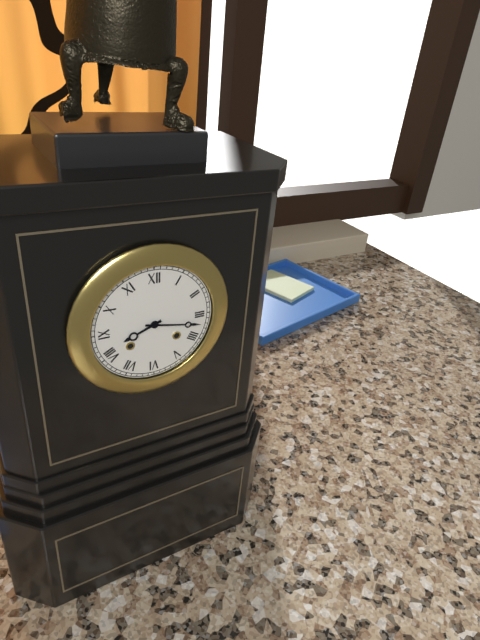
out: 8:17
